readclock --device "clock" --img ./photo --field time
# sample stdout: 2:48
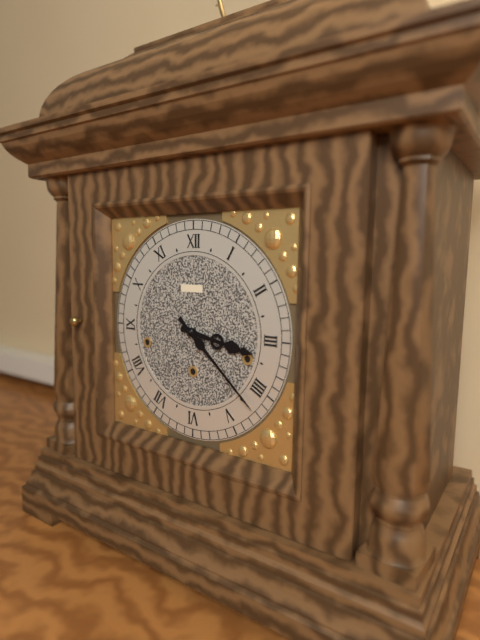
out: 3:22
